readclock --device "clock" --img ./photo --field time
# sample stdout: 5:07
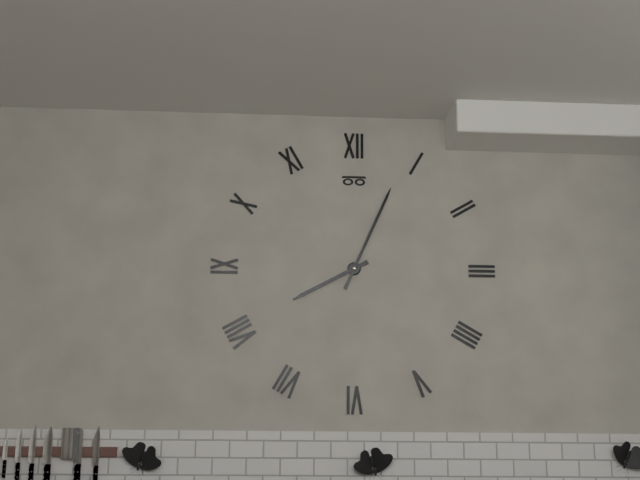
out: 8:04
